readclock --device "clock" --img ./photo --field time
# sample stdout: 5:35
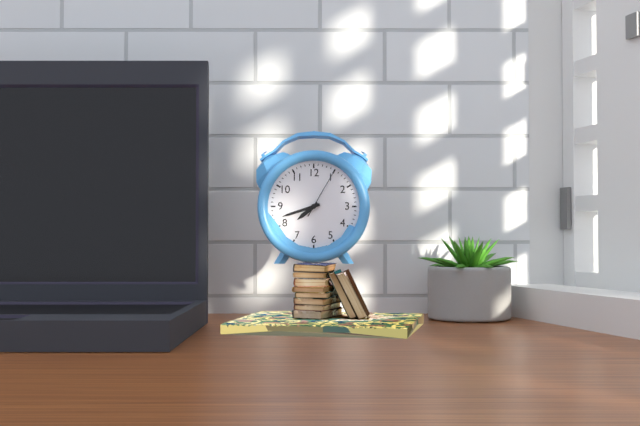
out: 7:42
